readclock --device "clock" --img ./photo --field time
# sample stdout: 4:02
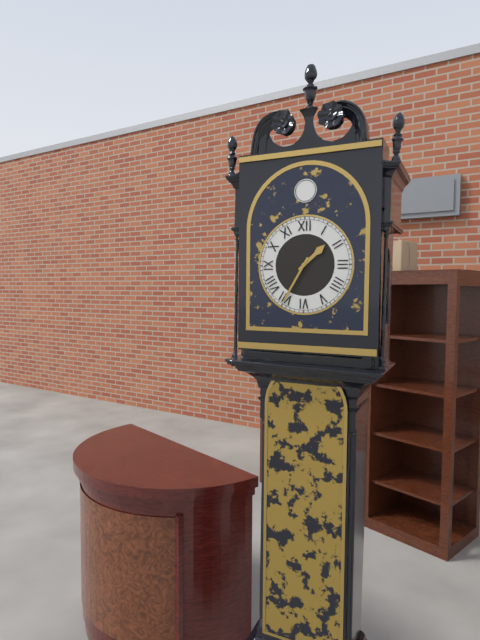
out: 1:35
